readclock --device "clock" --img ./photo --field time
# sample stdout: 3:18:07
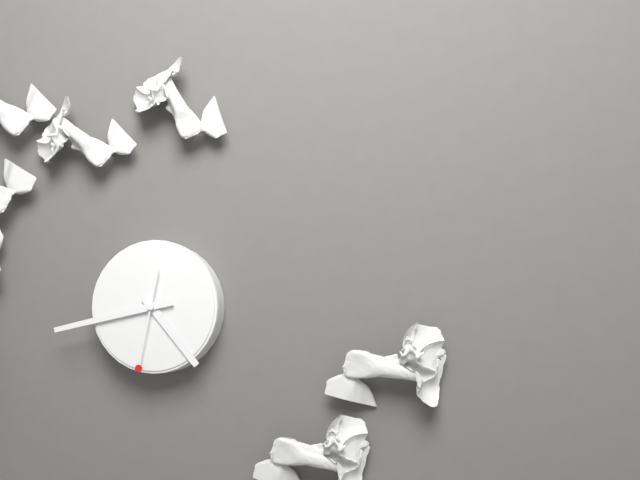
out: 4:43:32
